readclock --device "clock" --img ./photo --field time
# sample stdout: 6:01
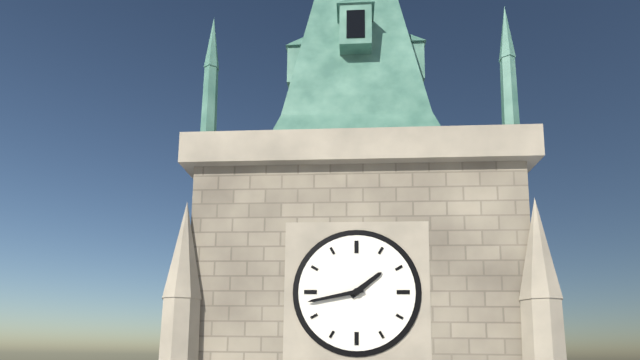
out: 1:43
